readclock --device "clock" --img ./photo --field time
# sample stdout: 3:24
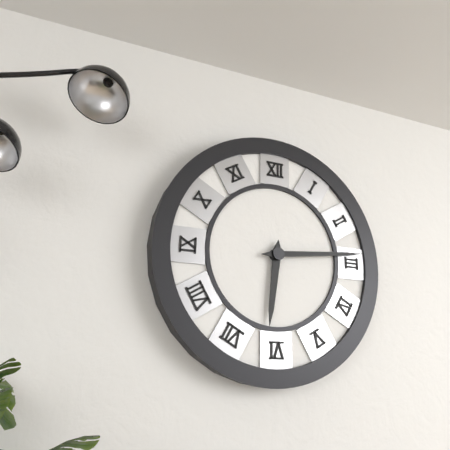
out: 6:14
